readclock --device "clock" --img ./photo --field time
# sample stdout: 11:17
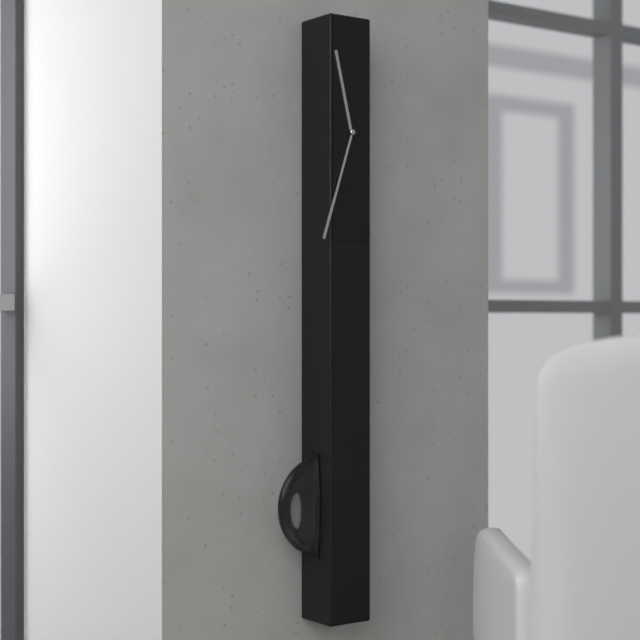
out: 11:33
